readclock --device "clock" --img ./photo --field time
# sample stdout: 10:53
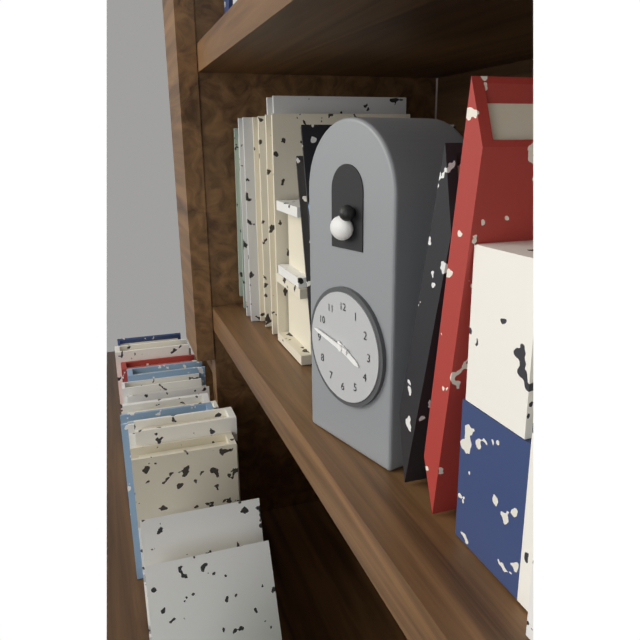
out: 3:47
